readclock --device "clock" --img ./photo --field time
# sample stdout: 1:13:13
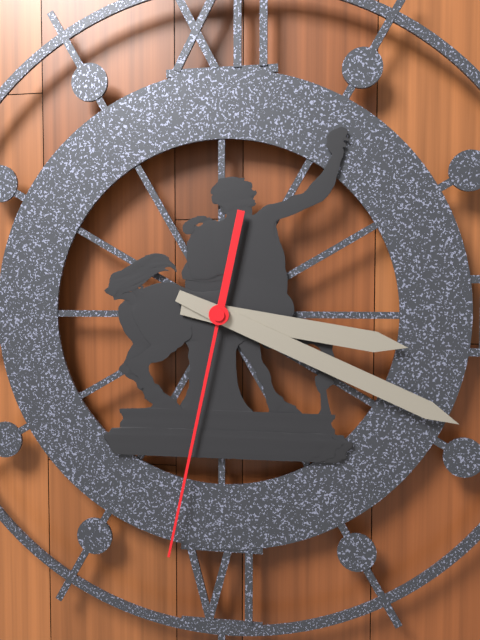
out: 3:19:32
